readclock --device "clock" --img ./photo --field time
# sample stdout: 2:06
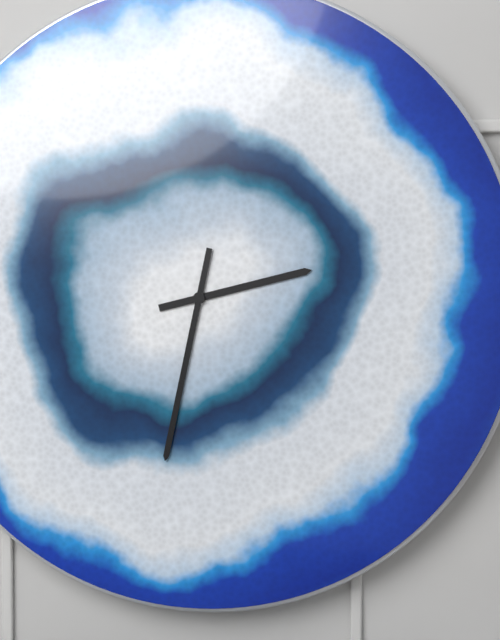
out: 2:32
